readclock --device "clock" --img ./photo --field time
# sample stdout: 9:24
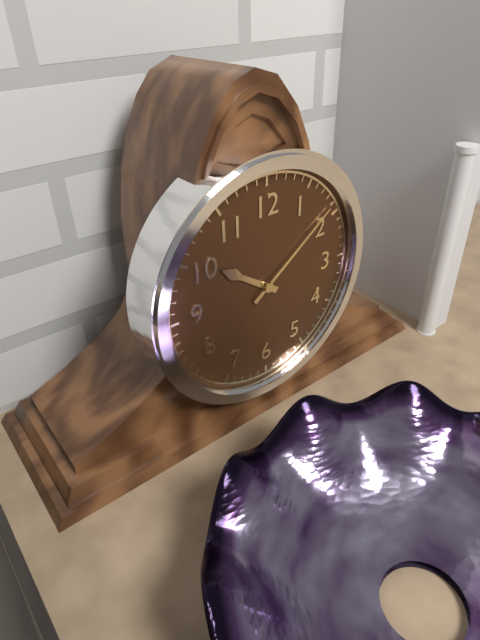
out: 10:09
